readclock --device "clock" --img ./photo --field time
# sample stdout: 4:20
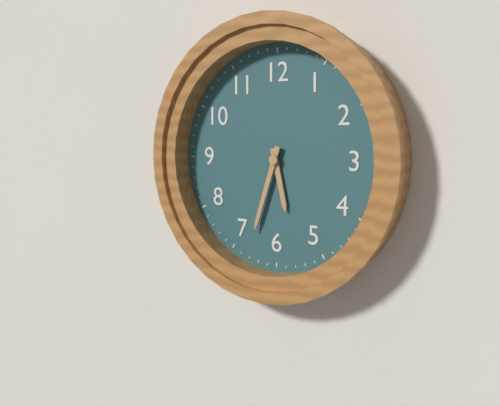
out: 5:33
